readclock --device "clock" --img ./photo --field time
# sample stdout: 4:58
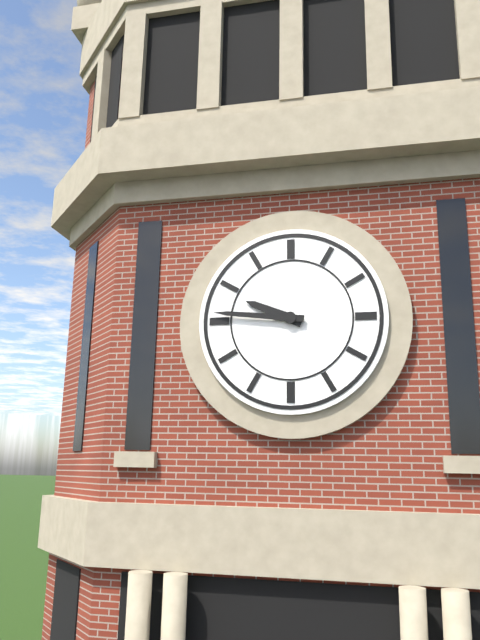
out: 9:46
